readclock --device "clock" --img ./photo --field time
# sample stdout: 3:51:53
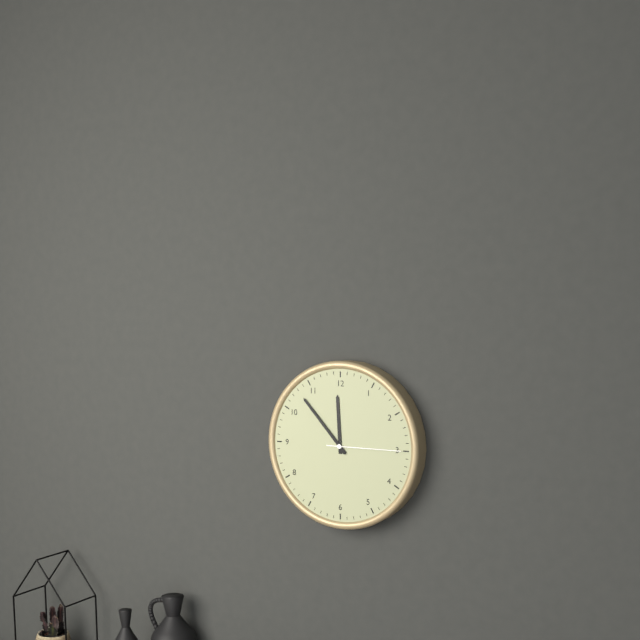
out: 11:53:15
